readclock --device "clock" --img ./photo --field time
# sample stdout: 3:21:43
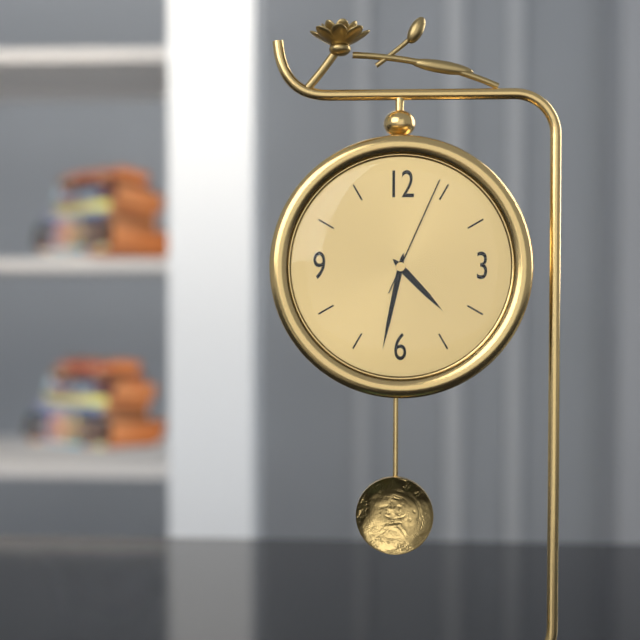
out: 4:32:04
